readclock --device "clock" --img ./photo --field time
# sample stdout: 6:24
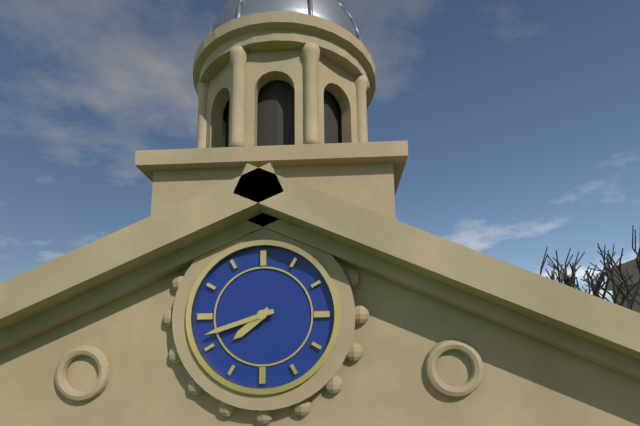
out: 7:42
